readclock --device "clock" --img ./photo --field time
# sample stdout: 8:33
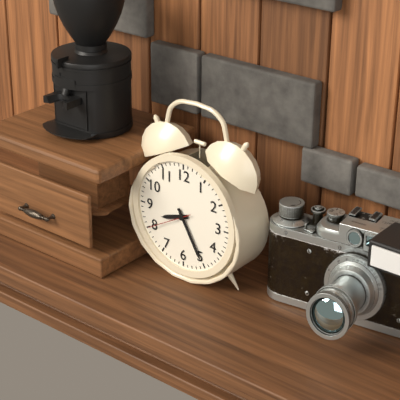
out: 8:25
